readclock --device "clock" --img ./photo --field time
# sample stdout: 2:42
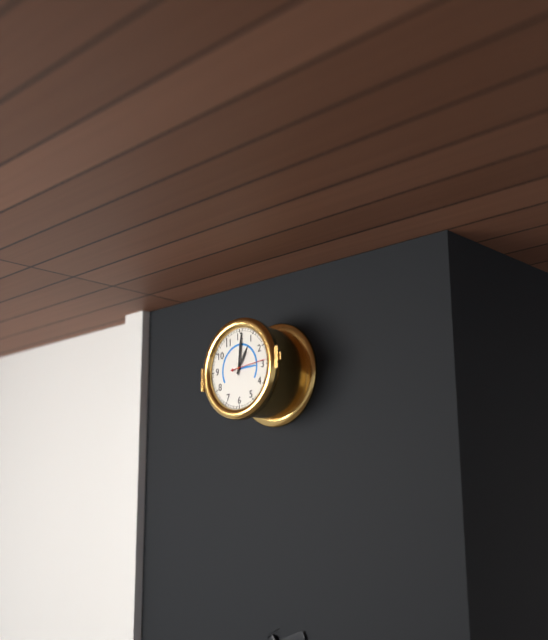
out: 1:01
